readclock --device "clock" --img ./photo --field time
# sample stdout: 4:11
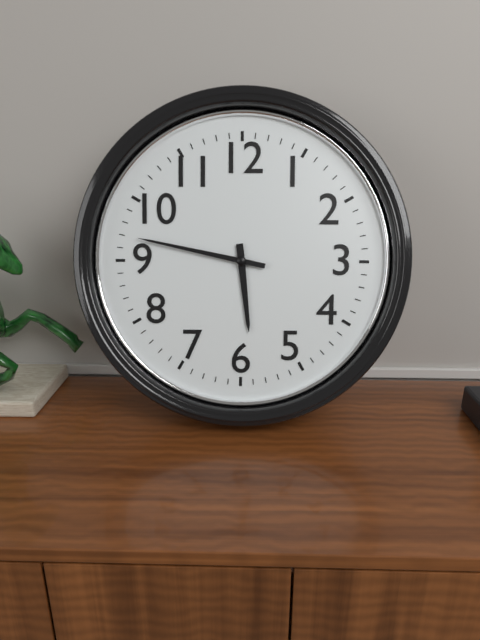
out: 5:47
